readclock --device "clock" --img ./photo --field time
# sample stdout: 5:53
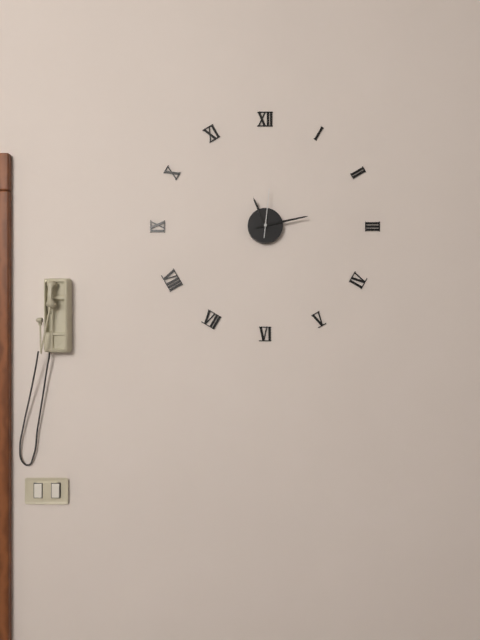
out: 11:13
